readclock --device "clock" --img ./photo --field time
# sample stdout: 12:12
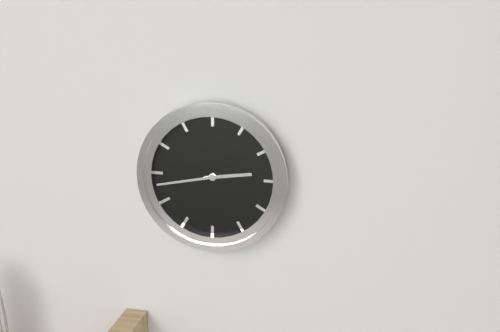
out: 2:43
